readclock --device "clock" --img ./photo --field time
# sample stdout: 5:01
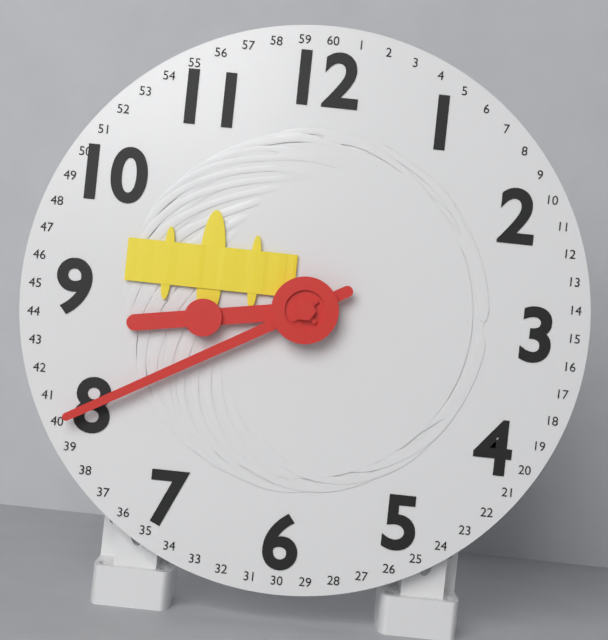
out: 8:40
